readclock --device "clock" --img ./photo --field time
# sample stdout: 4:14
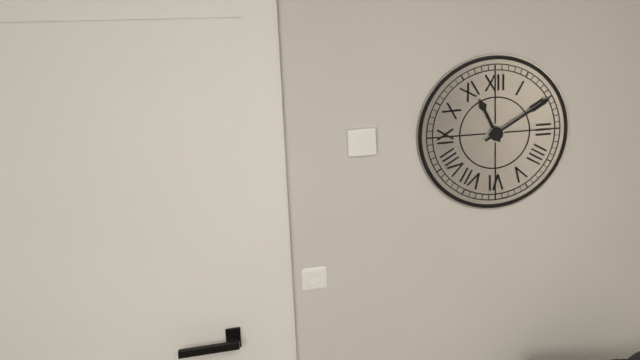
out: 11:10
